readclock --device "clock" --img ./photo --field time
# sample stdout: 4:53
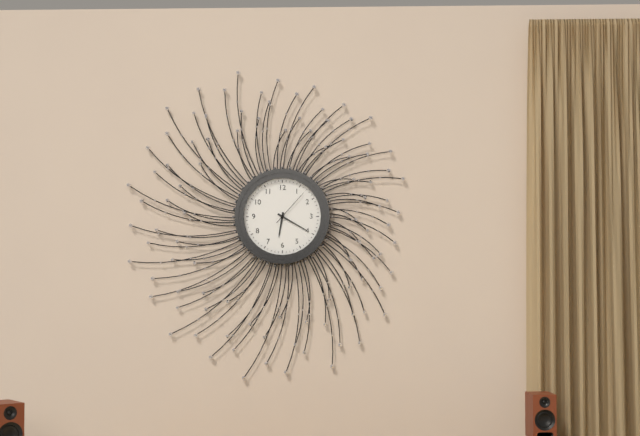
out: 6:20
